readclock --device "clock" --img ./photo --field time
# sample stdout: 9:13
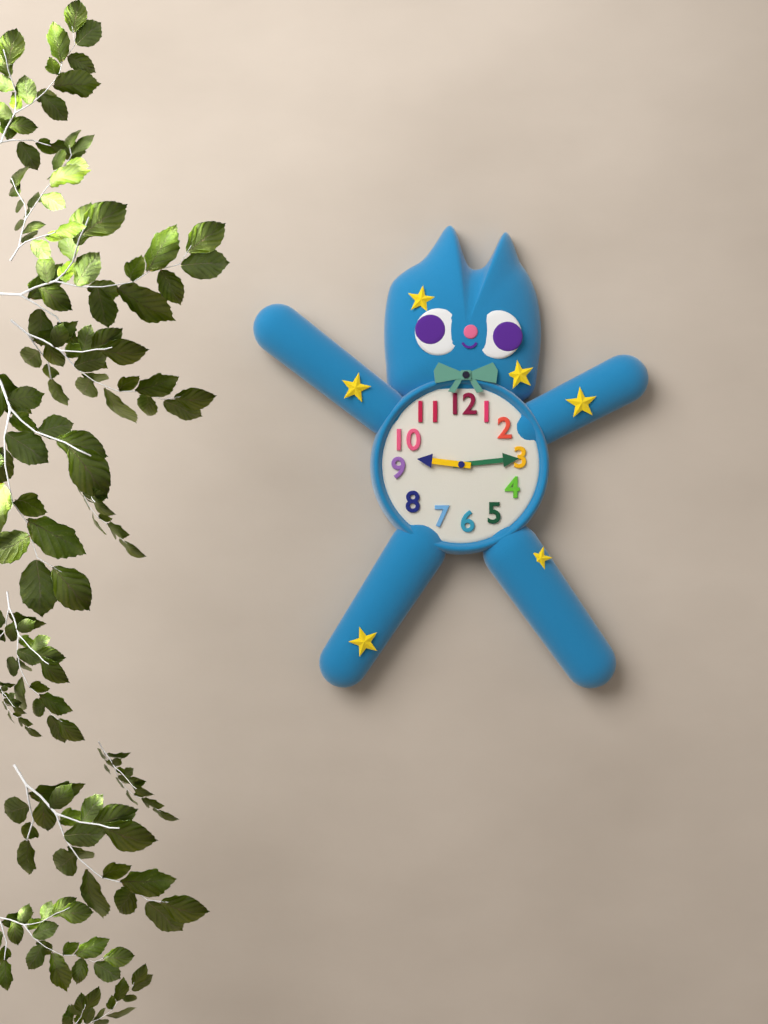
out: 9:14
